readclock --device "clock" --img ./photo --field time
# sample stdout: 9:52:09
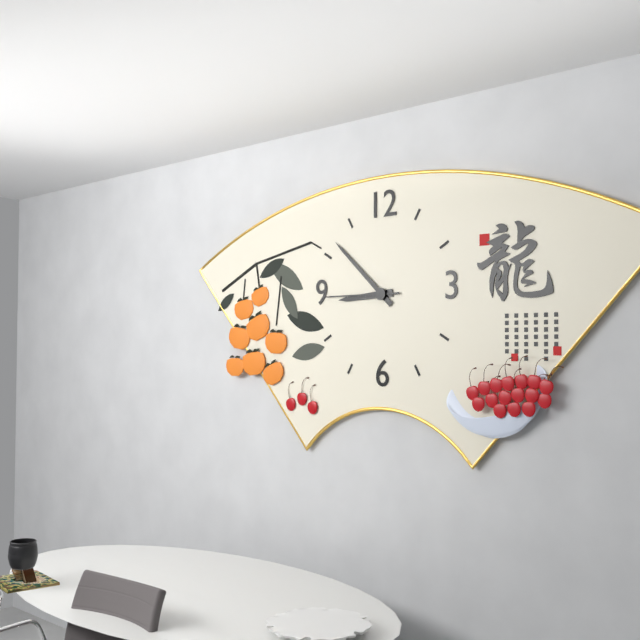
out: 8:52:45
